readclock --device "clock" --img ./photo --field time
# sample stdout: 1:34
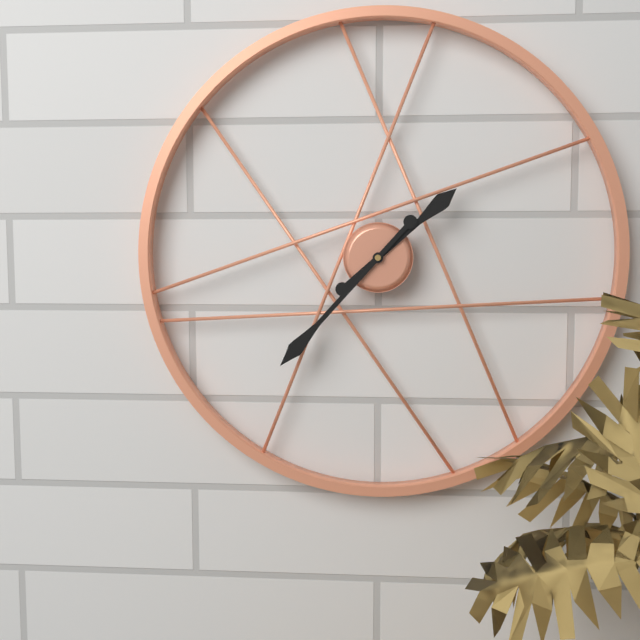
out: 1:37
